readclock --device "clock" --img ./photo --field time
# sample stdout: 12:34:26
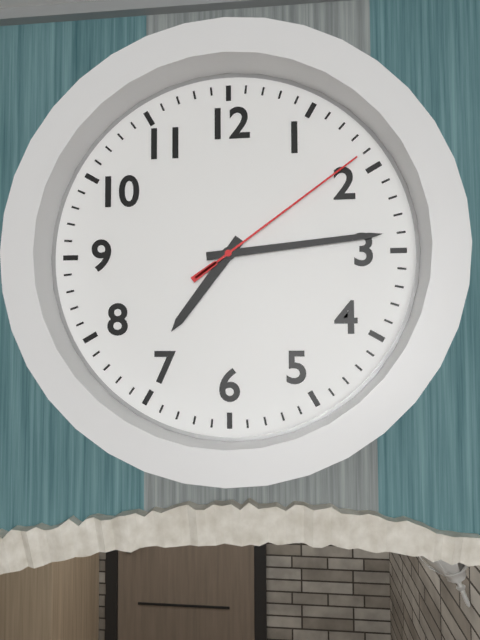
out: 7:14:09
